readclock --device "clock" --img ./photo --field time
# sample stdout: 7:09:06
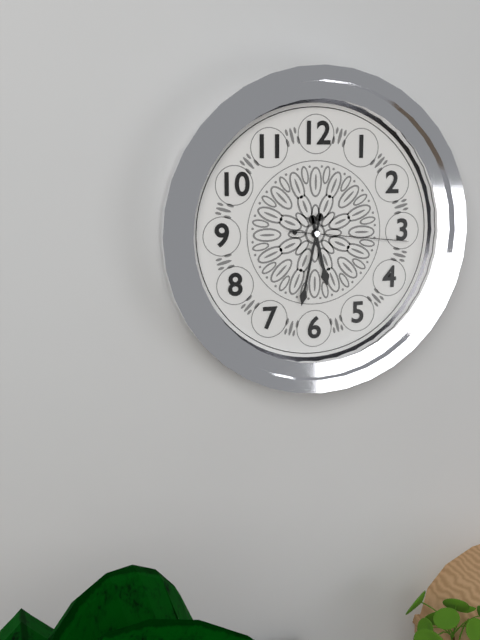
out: 5:32:16
